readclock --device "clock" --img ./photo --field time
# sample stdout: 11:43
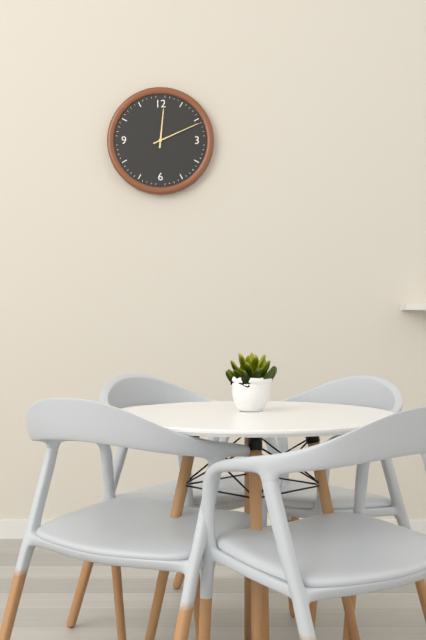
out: 12:11
